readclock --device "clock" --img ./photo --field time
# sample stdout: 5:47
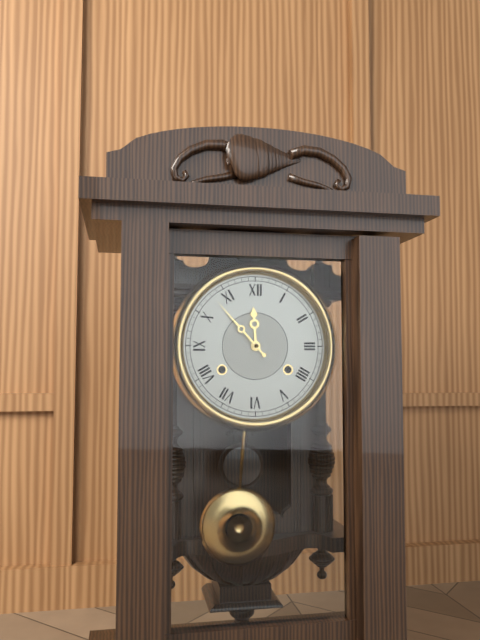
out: 11:53
